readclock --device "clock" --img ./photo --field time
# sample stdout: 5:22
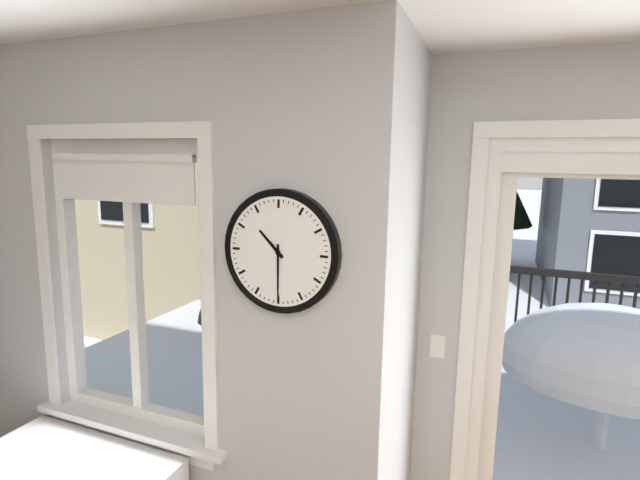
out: 10:30
